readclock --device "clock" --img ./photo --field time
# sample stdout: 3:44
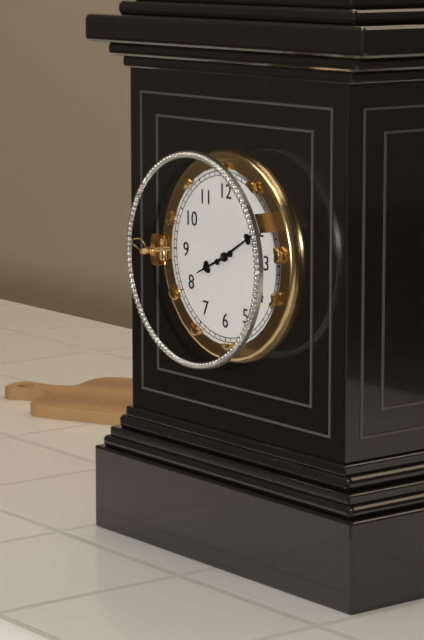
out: 8:10
